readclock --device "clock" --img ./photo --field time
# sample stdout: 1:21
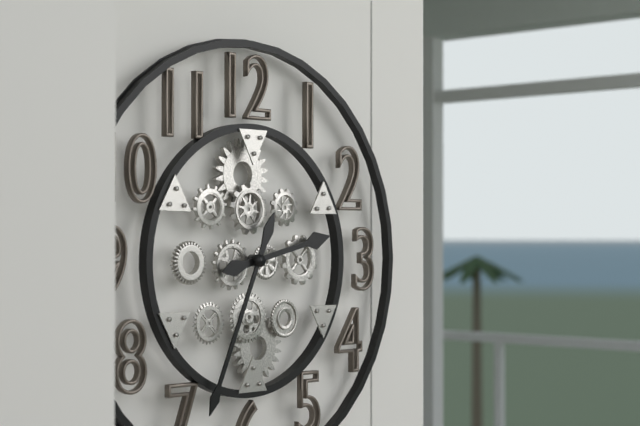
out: 2:34
